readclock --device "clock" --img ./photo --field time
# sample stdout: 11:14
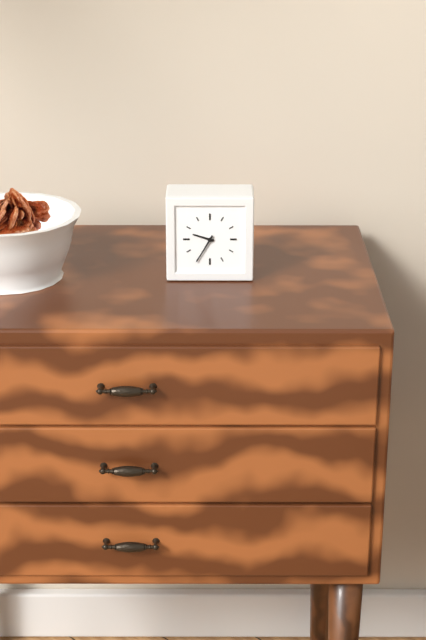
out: 9:35
